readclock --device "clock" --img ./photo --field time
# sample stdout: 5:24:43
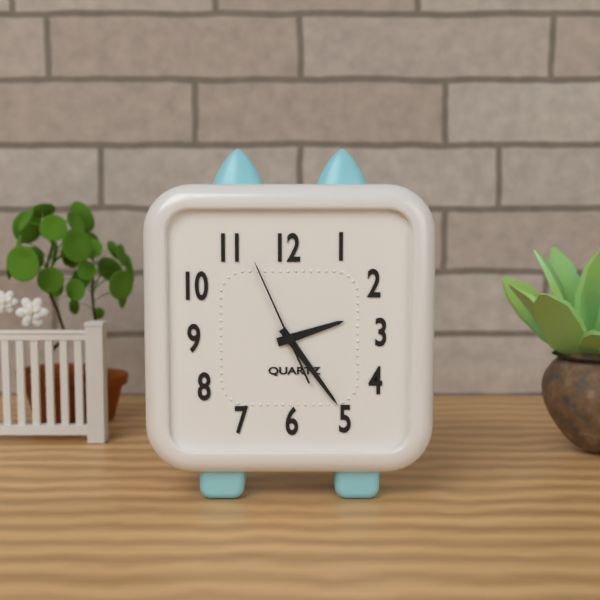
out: 2:24:56
